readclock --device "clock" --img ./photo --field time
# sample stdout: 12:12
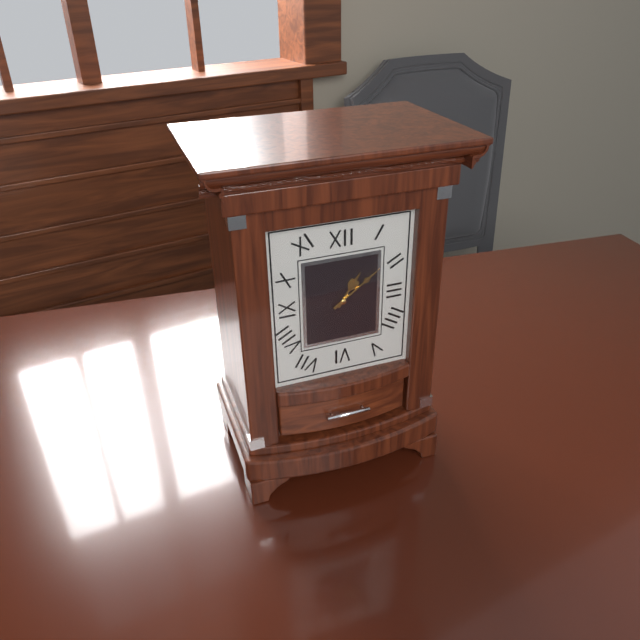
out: 1:09
